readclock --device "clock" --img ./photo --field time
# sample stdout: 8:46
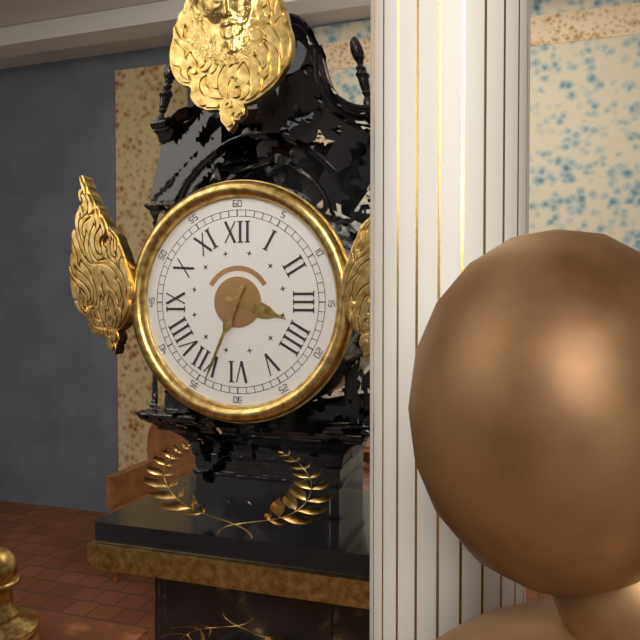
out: 3:34
